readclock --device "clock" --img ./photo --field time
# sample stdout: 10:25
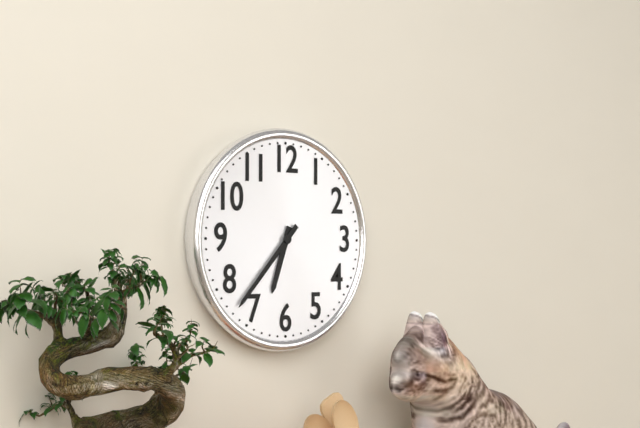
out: 6:37
